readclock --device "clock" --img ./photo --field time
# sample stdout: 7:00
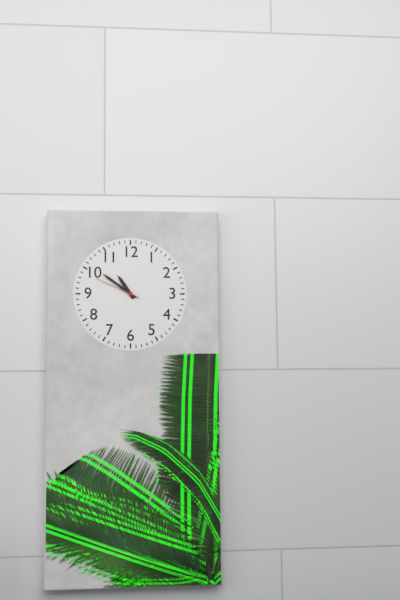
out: 10:51
